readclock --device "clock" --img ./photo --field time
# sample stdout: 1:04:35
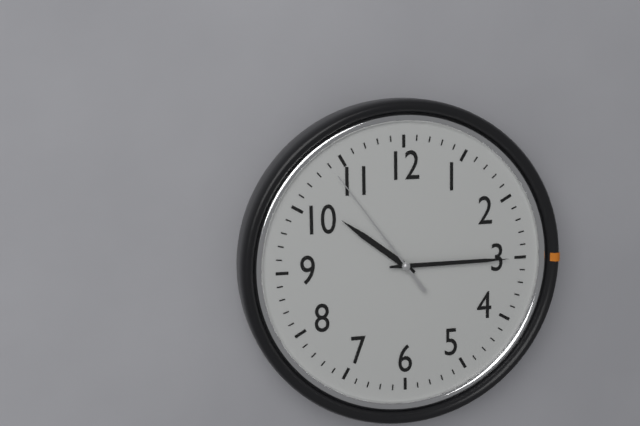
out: 10:15:54
